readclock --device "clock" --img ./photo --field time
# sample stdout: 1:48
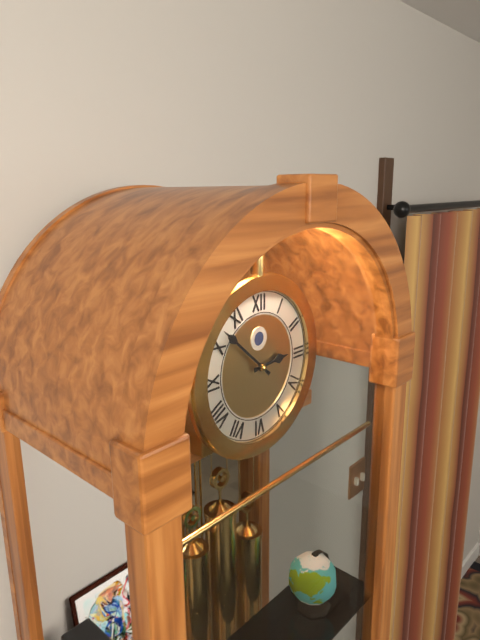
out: 2:52
